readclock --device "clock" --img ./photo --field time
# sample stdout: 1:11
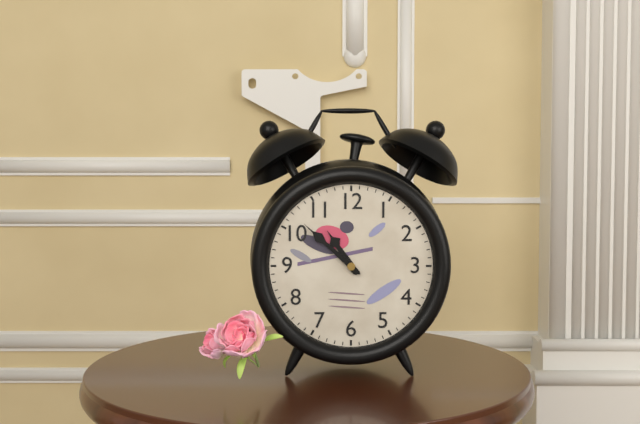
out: 10:52
